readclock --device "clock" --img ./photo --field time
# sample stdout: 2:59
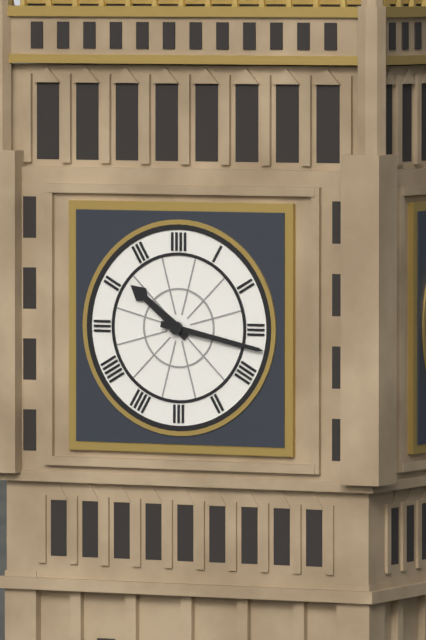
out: 10:17
